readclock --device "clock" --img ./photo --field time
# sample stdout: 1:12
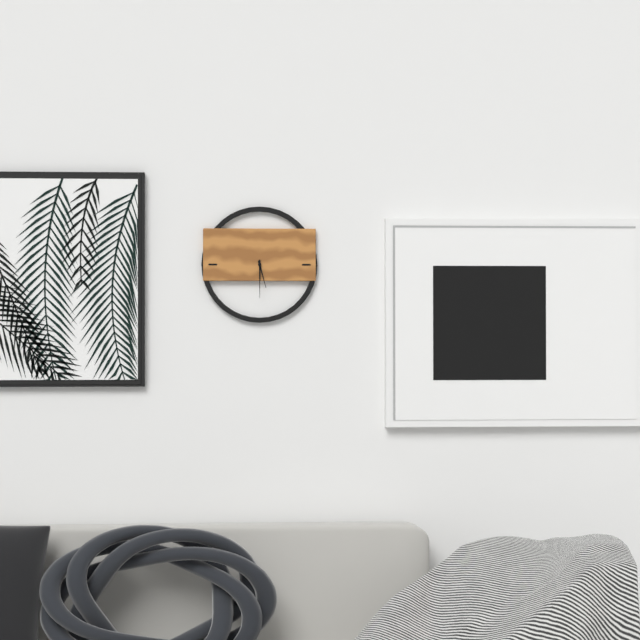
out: 5:30
